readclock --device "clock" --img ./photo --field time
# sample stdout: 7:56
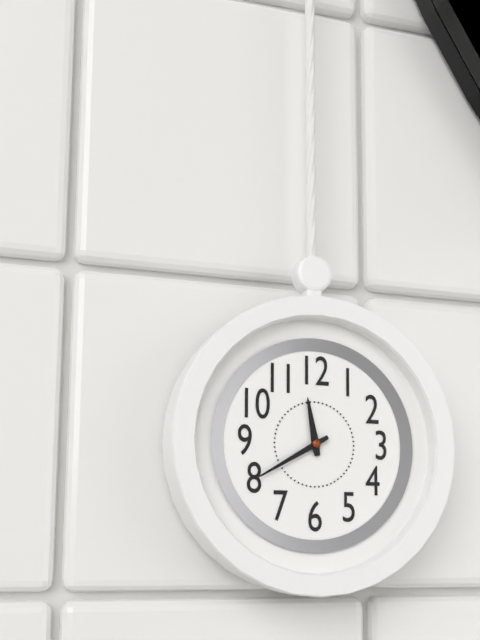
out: 11:40
